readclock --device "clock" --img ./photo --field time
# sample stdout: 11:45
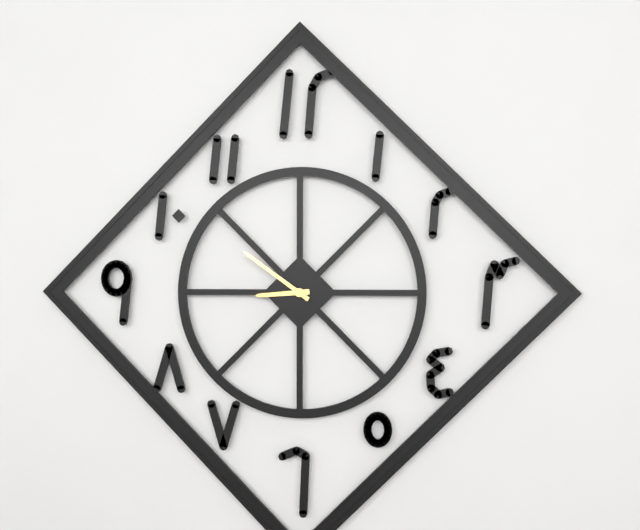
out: 8:51
